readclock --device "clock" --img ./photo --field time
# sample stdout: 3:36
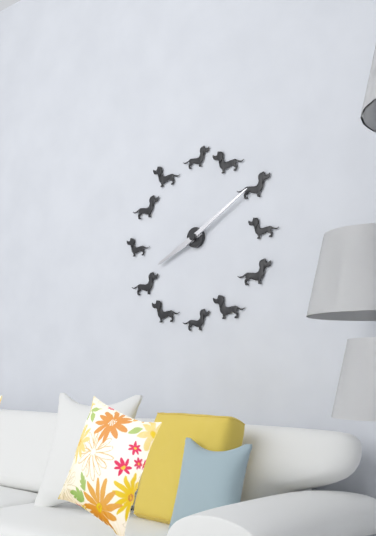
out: 8:10
